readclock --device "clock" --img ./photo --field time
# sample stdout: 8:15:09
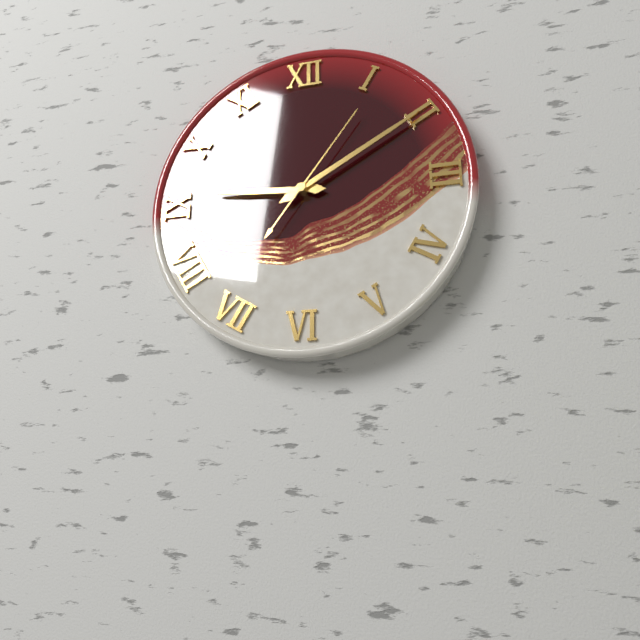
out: 9:10:06
